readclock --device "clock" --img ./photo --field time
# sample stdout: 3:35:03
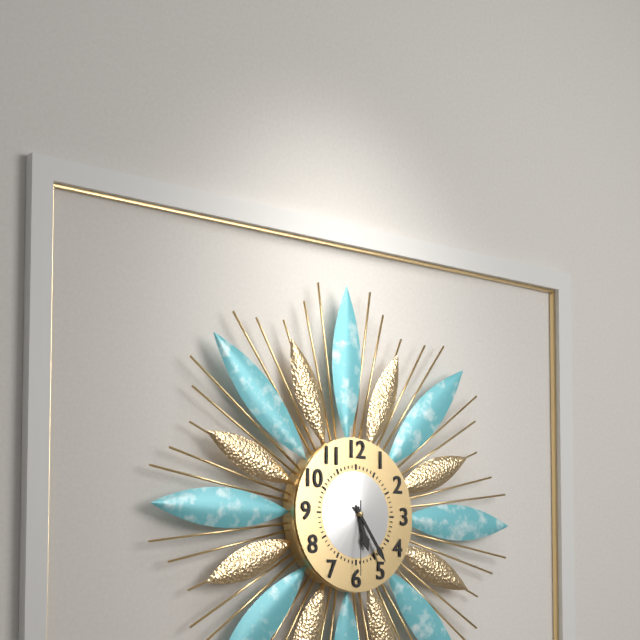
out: 5:24:30
